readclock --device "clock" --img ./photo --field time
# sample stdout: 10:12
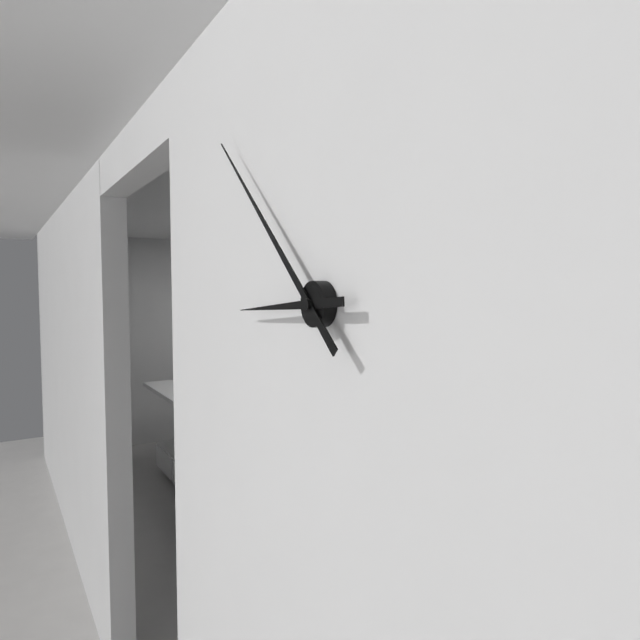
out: 8:52
